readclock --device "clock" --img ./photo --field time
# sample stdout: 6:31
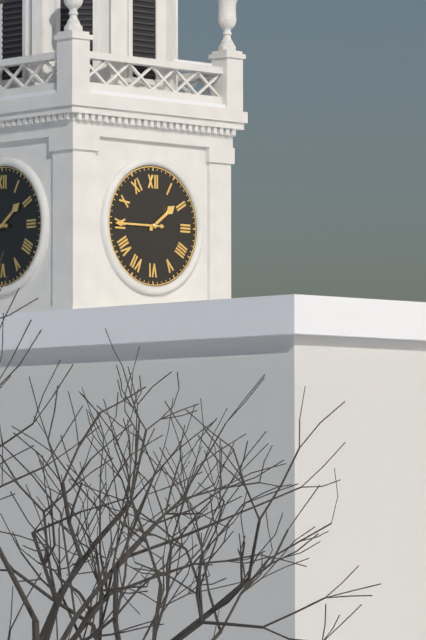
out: 1:45
